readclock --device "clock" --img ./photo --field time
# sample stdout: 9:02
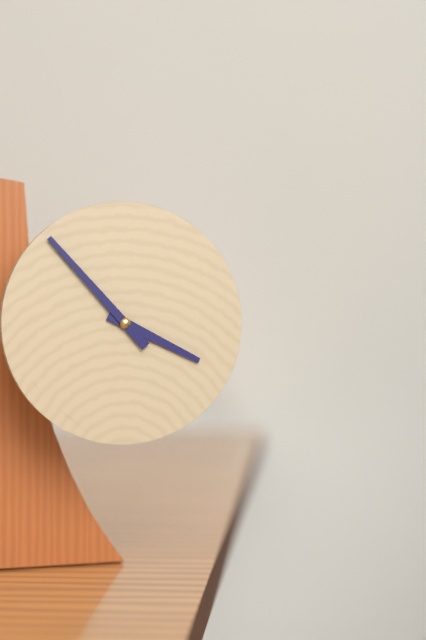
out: 3:53
